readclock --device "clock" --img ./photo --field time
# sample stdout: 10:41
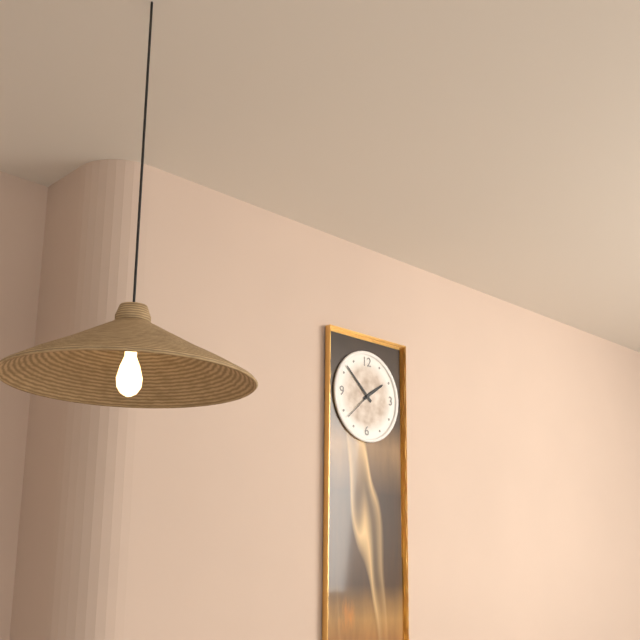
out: 1:52
